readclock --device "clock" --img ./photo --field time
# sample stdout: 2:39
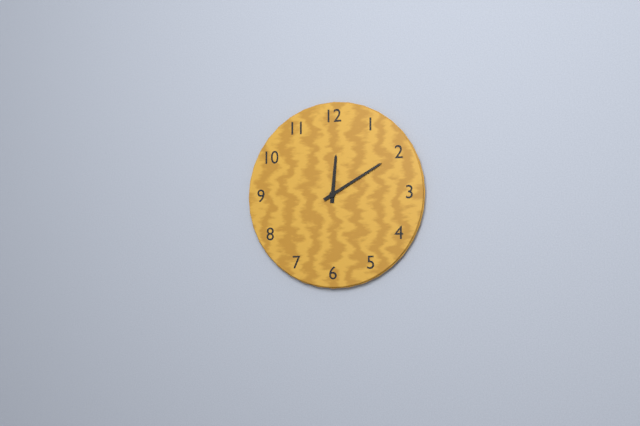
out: 12:10
